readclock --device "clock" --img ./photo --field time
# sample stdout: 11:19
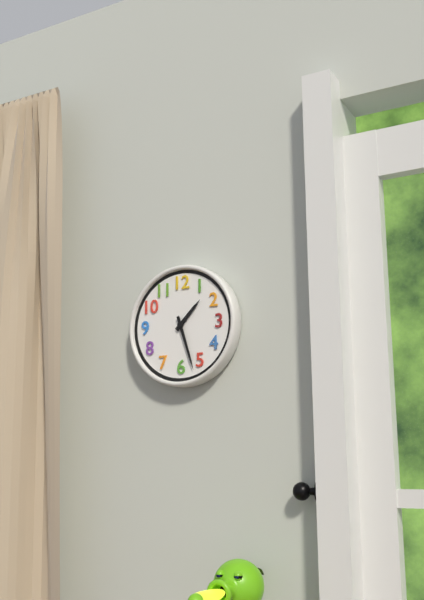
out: 1:27
